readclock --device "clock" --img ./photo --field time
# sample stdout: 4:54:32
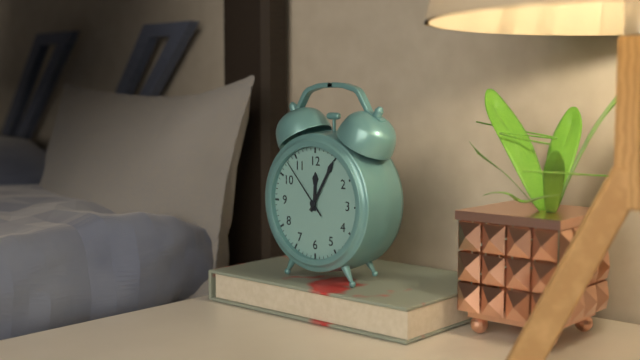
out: 12:05:53
